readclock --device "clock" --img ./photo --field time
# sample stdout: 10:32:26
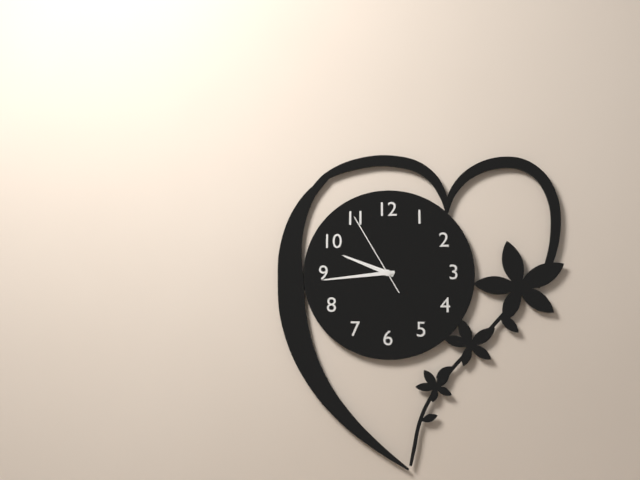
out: 9:44:55
